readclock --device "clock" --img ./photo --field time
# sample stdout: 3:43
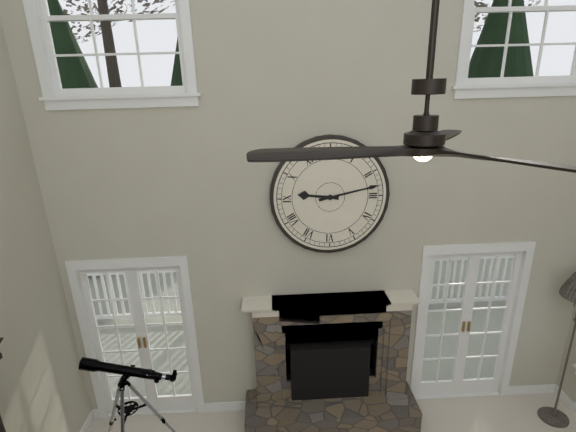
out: 9:13
